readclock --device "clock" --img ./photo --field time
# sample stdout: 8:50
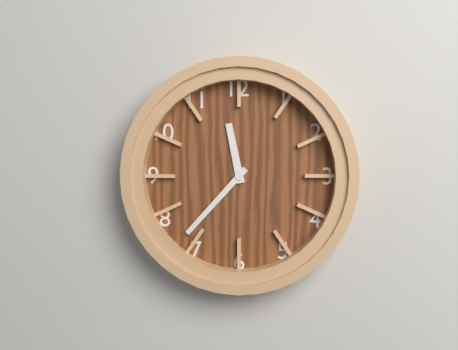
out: 11:37
